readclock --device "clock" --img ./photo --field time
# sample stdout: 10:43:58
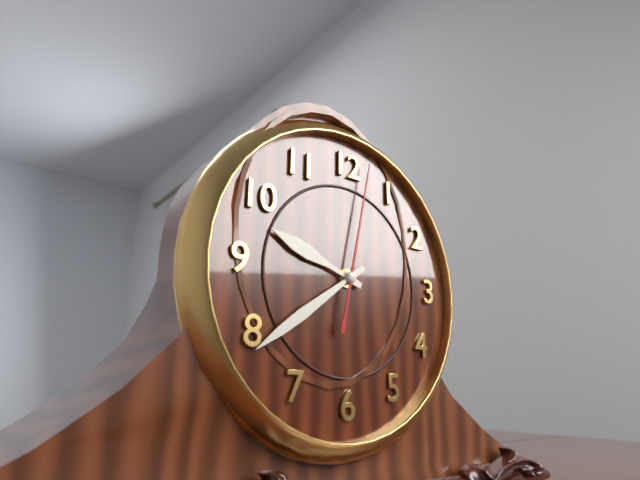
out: 9:39:02
